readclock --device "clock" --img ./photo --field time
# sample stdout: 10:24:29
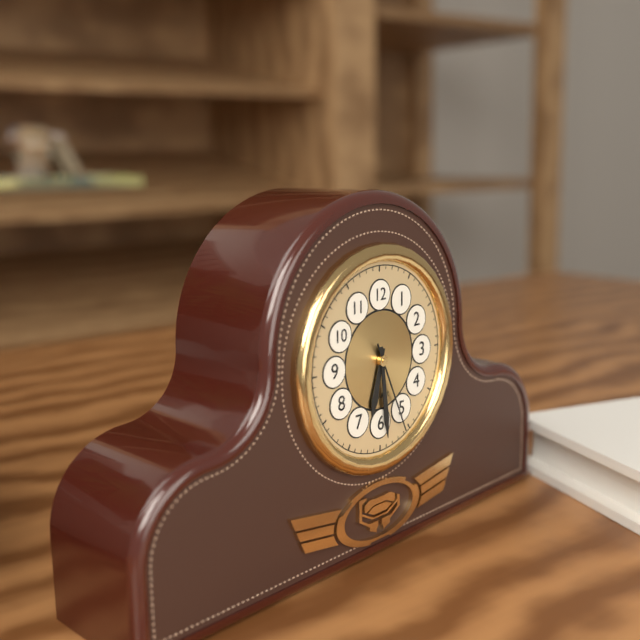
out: 6:29:26
